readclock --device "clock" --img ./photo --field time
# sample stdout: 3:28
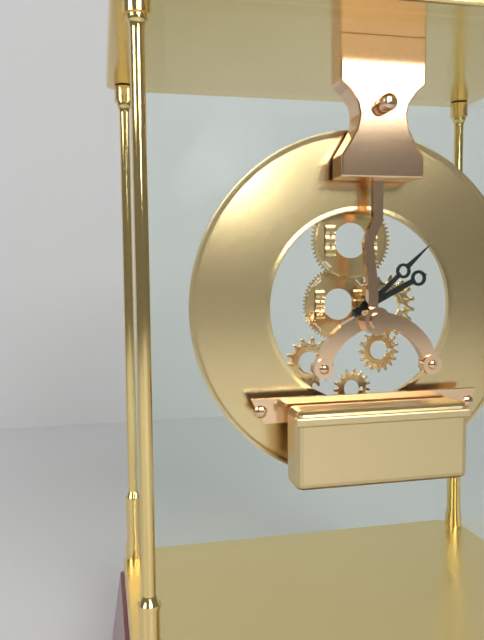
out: 2:08
